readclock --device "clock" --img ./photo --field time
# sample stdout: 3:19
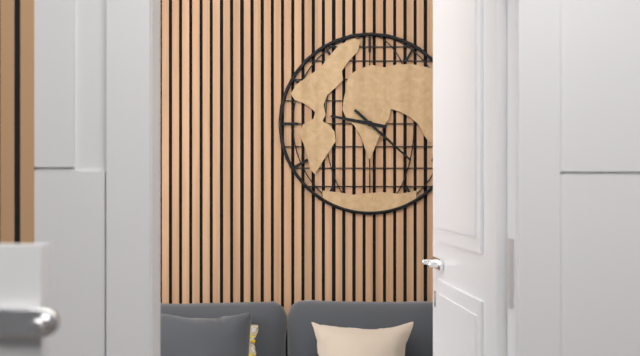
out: 9:22
